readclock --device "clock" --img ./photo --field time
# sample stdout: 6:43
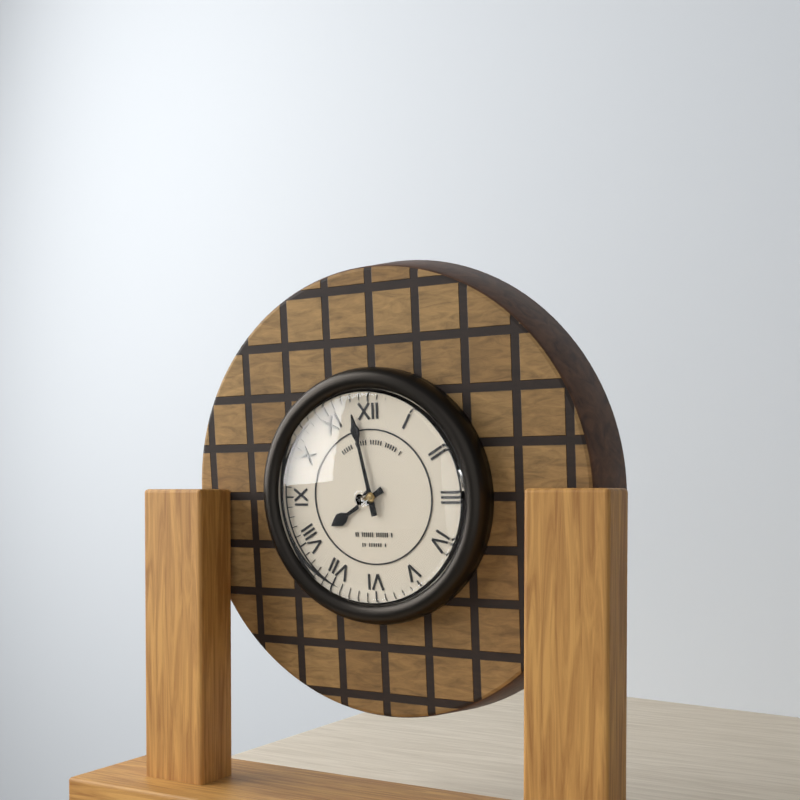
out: 7:58
